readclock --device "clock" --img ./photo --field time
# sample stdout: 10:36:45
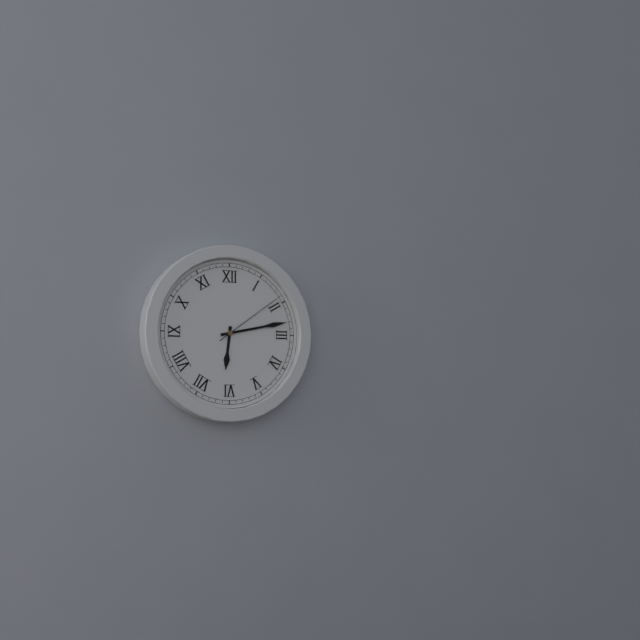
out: 6:13:09
